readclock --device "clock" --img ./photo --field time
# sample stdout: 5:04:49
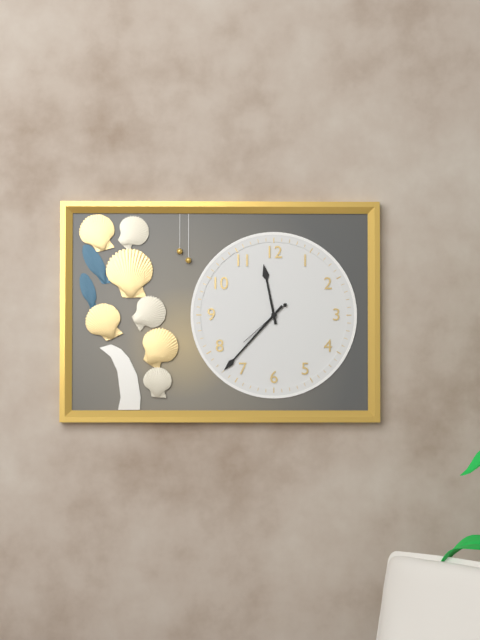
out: 11:37:38
